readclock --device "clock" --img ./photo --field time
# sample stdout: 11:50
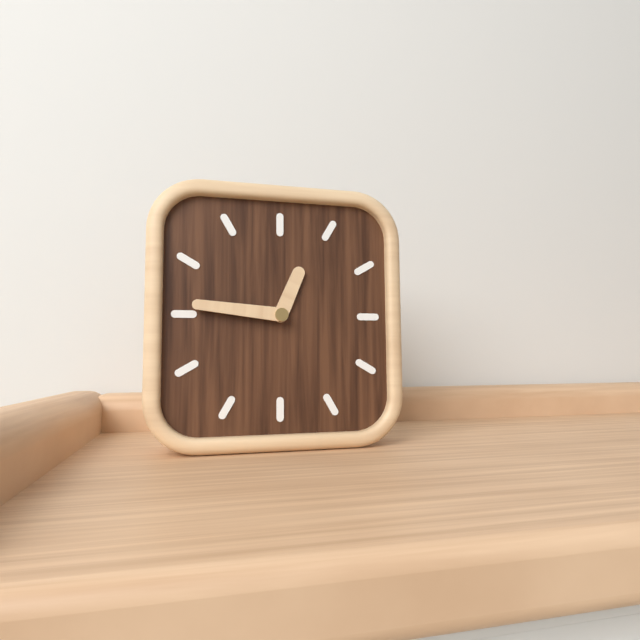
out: 12:46
